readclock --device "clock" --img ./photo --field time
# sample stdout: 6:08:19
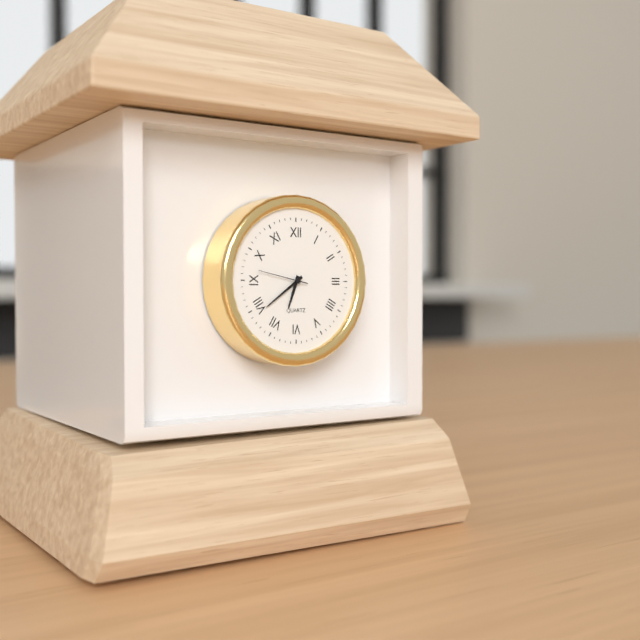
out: 6:39:47
